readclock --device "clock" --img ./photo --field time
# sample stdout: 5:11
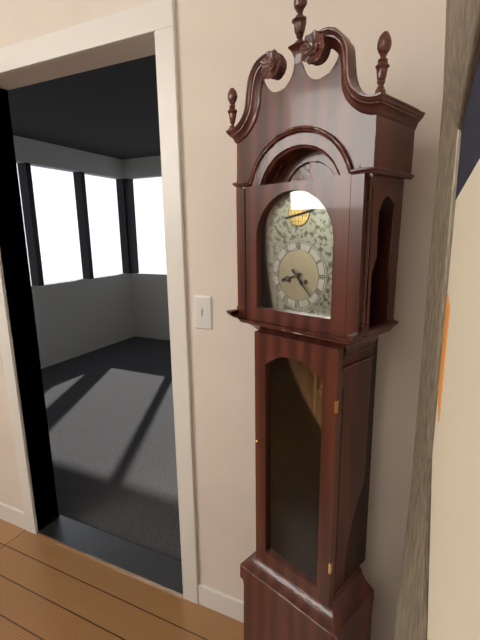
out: 8:23
